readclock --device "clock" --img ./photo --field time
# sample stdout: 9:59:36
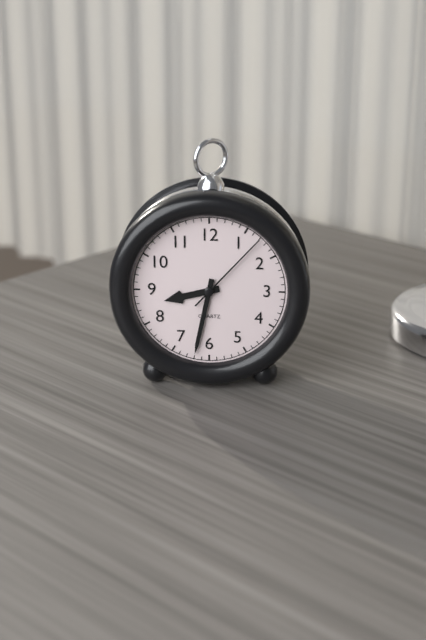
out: 8:32:07
